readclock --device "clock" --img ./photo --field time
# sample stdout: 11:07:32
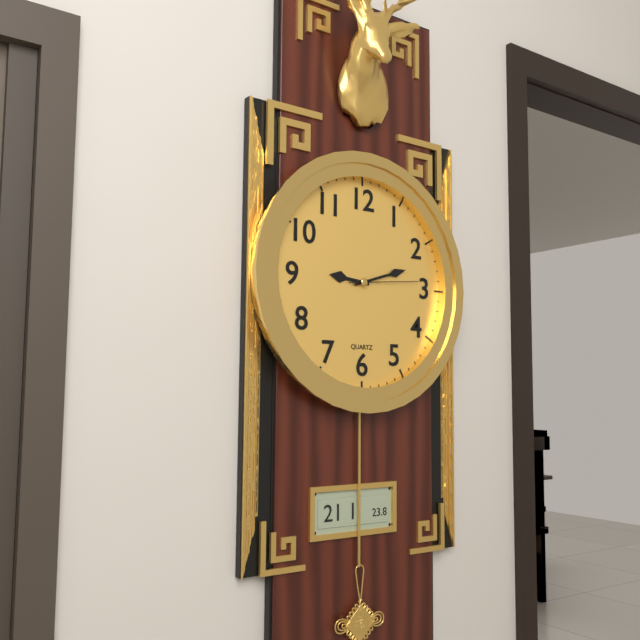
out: 9:12:14
